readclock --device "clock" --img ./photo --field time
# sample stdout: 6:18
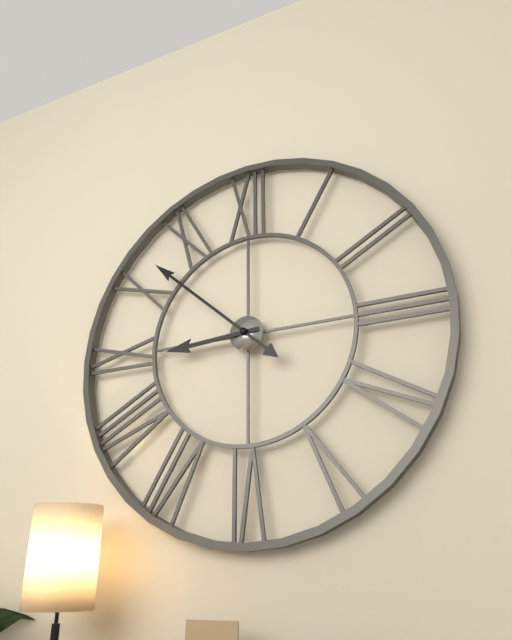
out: 8:52
